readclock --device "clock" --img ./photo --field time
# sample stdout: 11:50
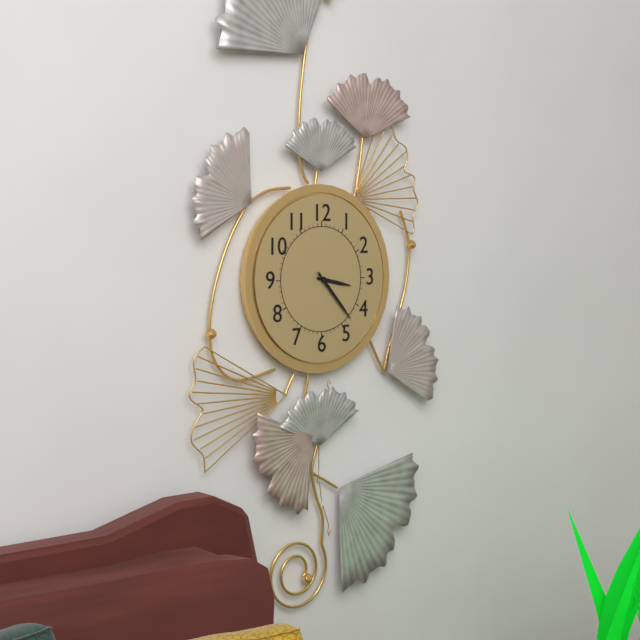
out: 3:23
